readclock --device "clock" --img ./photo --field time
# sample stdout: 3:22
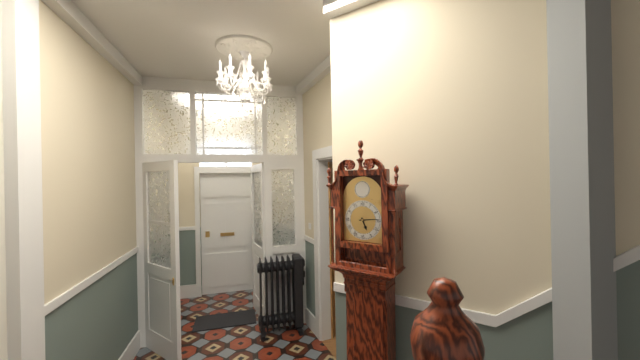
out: 5:14
